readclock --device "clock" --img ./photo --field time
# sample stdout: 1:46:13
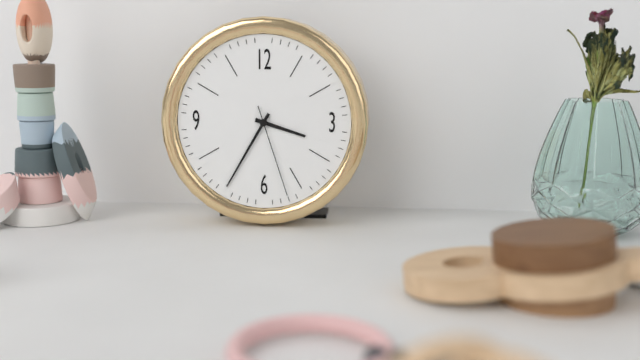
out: 3:35:27
